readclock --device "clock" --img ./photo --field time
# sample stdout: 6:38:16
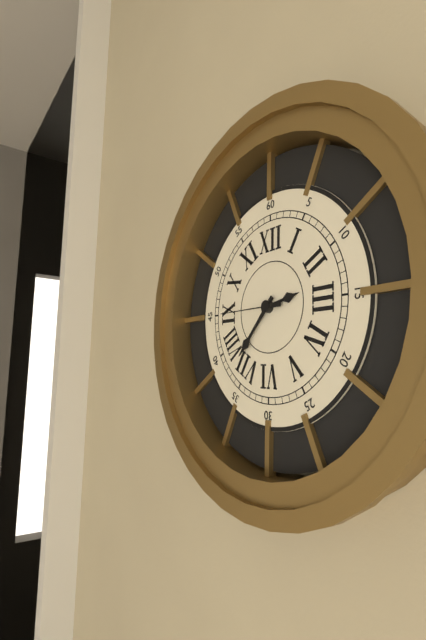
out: 2:37:45
